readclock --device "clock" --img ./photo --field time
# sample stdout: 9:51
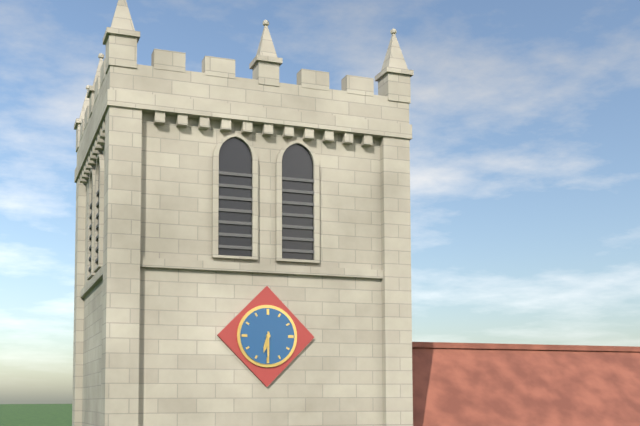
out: 6:30
